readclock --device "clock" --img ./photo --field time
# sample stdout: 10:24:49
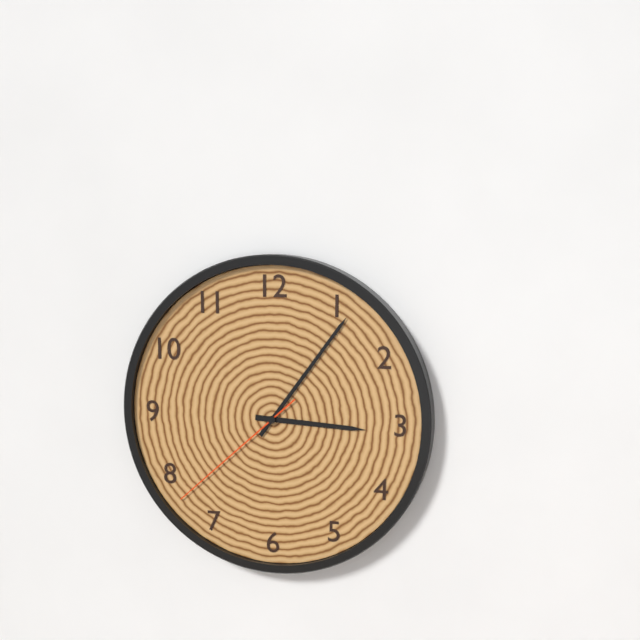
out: 3:06:38
